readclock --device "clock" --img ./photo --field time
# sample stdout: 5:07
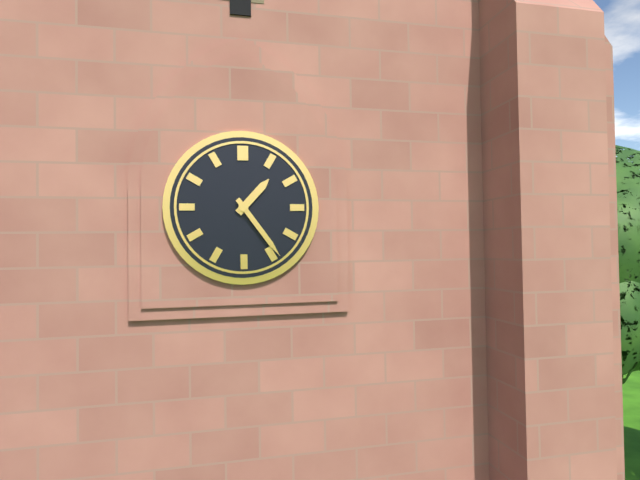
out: 1:24
